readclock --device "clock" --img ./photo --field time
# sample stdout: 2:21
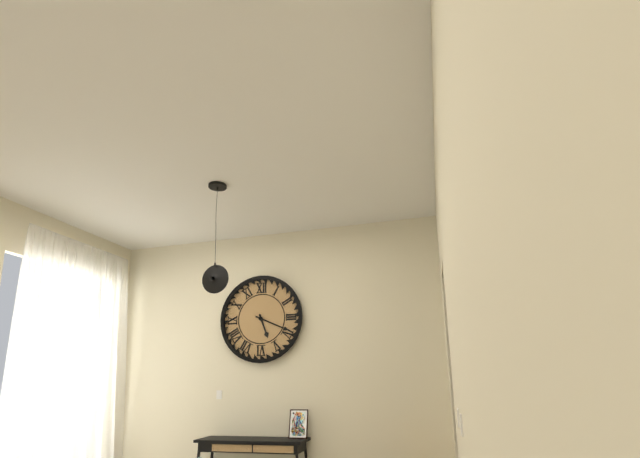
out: 5:19
